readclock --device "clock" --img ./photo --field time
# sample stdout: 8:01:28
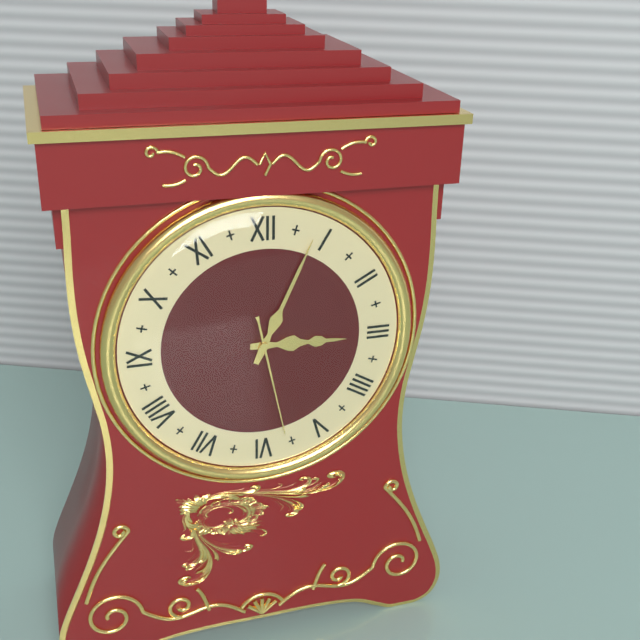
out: 3:04:28
